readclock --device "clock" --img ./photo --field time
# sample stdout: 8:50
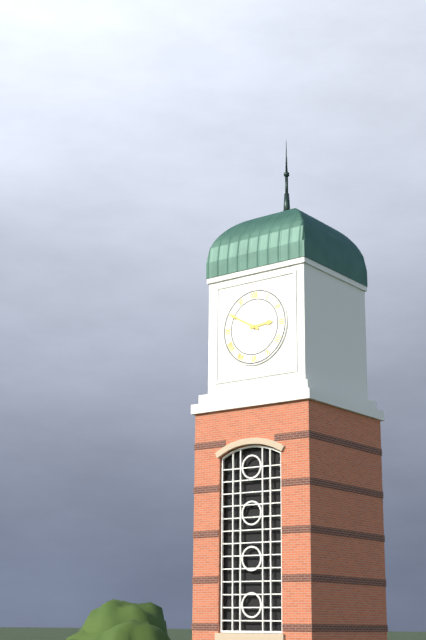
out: 2:50
